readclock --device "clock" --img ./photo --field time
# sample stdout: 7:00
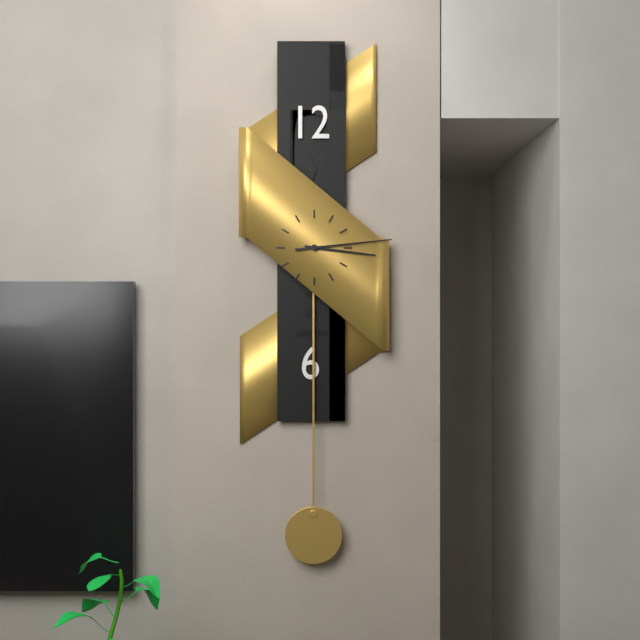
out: 3:14
